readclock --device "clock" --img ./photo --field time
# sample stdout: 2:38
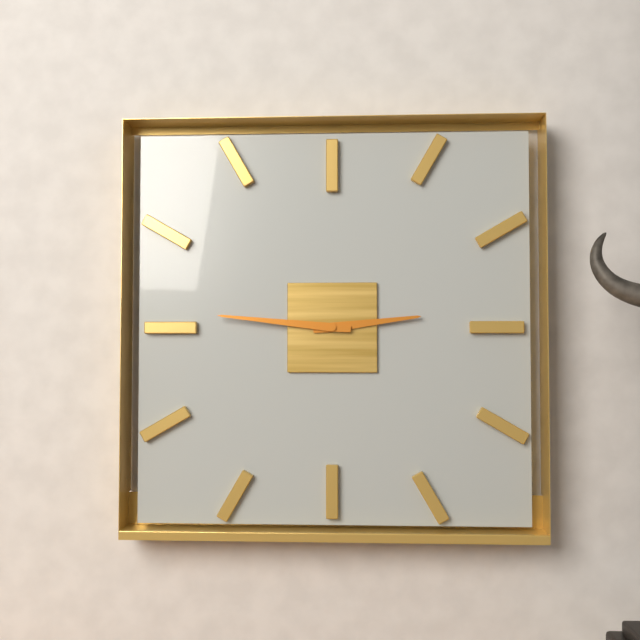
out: 2:46
